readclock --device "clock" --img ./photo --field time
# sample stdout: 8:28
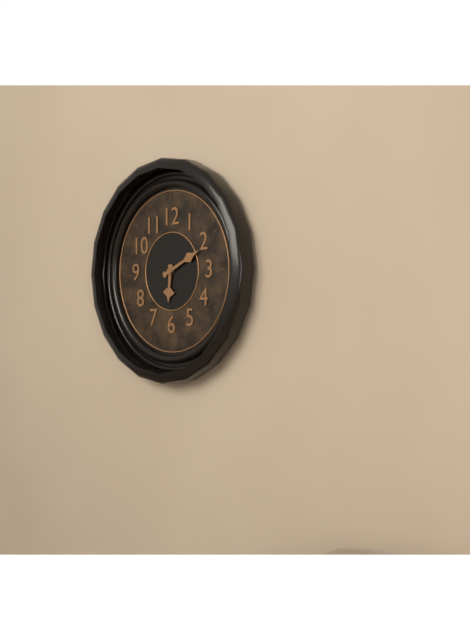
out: 6:11
